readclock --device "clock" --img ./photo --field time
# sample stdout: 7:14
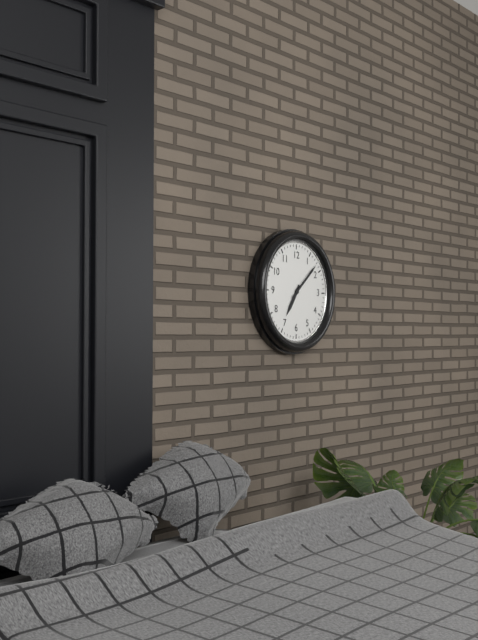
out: 7:08
